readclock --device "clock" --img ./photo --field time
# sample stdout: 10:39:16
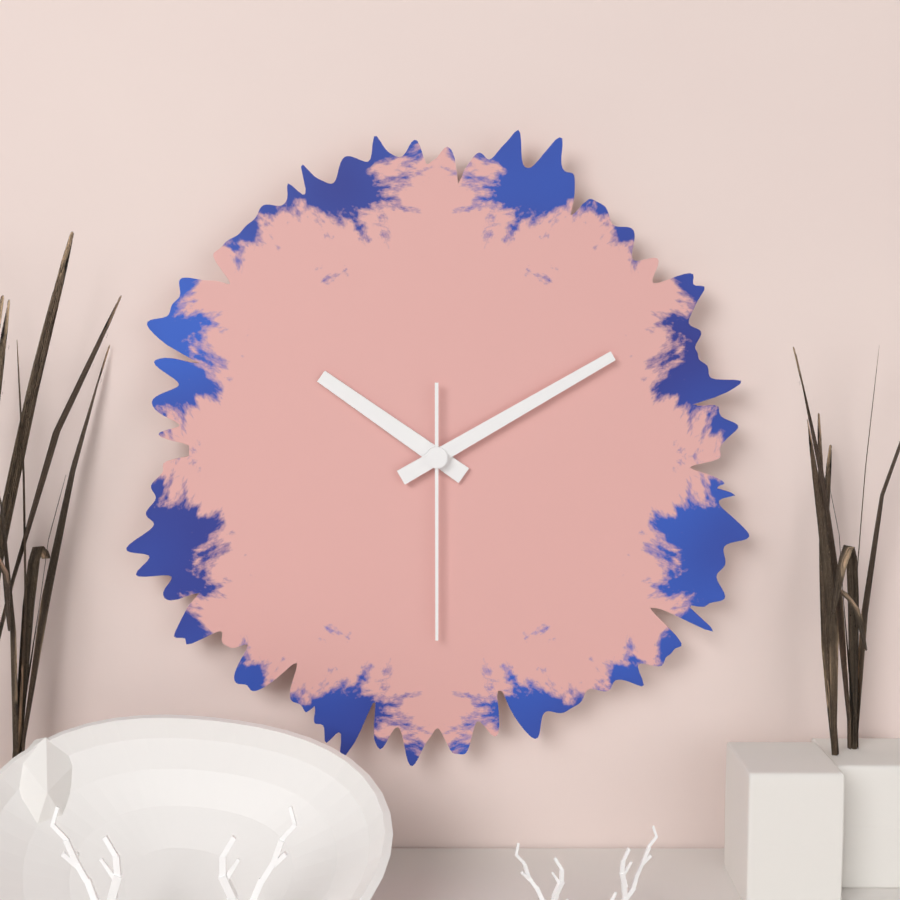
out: 10:10:30
